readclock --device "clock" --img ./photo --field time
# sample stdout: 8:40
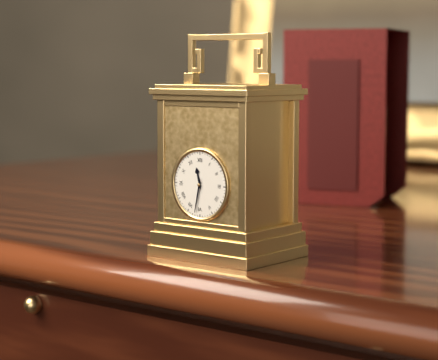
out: 11:32
